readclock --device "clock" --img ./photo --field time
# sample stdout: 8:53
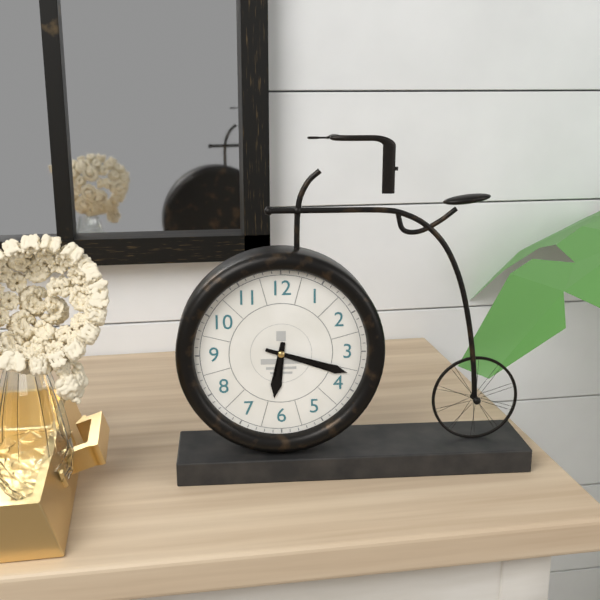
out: 6:18
